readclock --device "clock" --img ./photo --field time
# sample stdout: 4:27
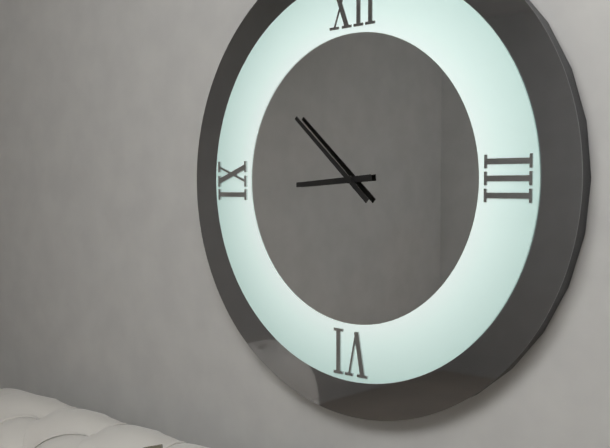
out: 8:52
